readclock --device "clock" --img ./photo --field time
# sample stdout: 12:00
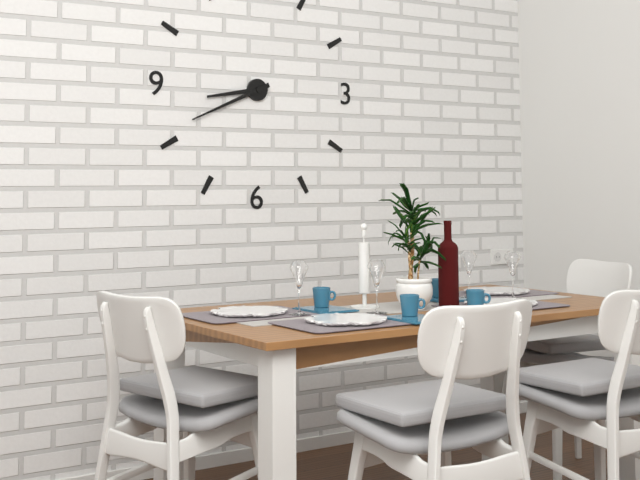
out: 8:41
